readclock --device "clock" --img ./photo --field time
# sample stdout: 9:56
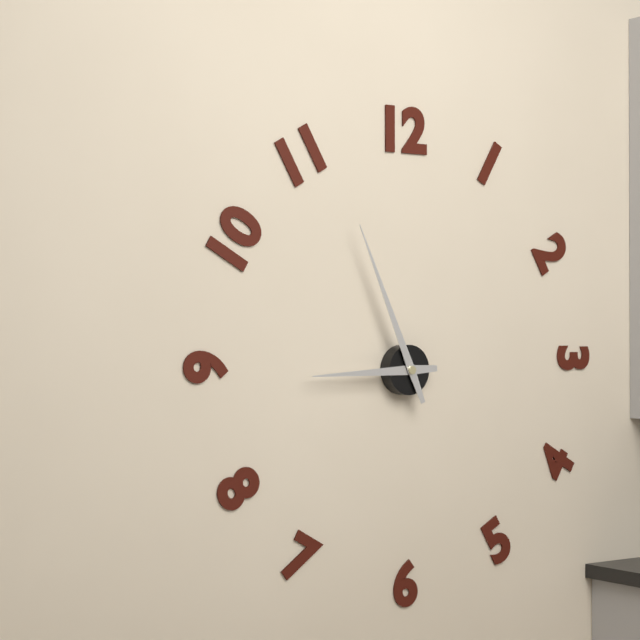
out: 8:56
